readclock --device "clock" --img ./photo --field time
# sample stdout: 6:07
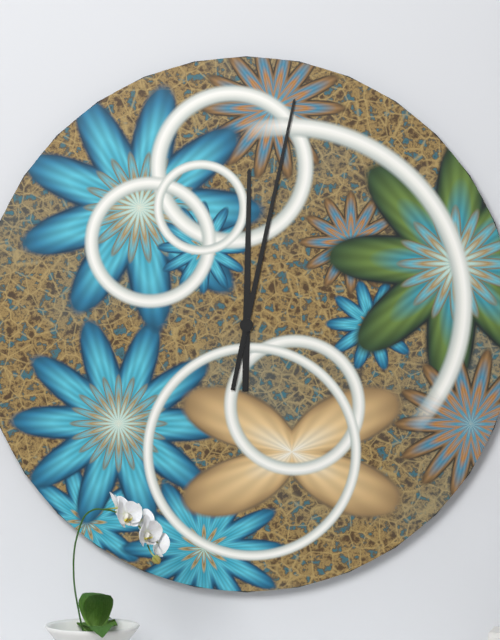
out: 12:02
